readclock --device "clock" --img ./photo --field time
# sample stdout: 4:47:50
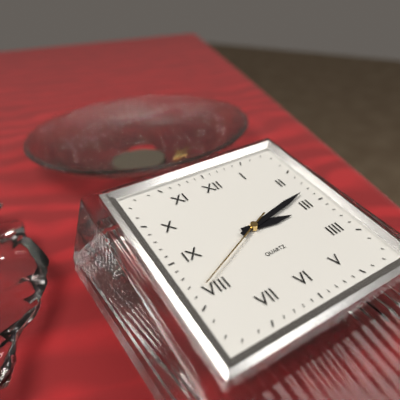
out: 3:13:41
